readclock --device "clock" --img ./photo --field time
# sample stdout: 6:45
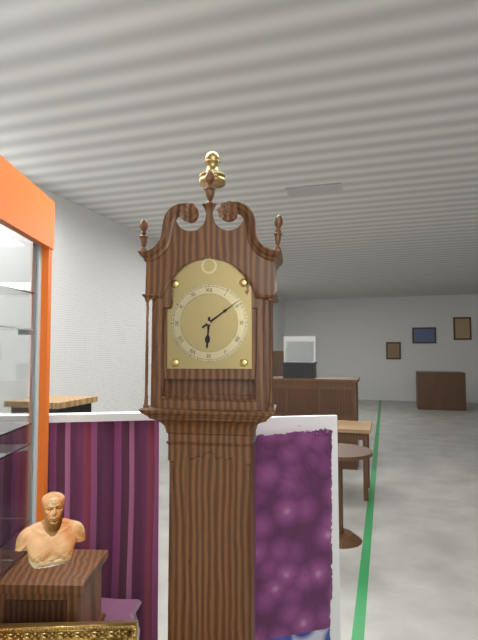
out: 6:09
